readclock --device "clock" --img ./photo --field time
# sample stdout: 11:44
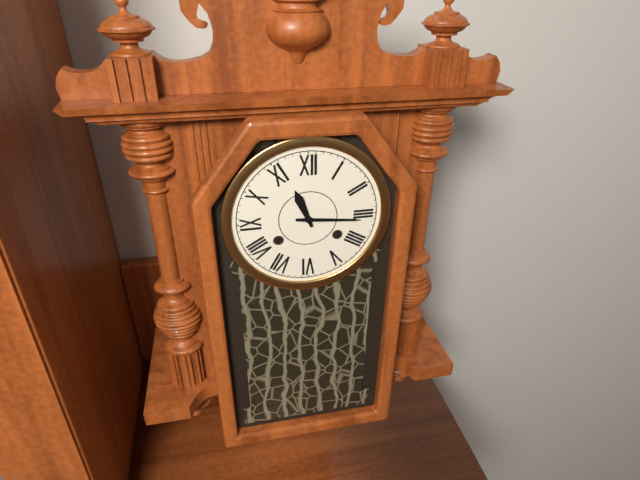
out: 11:16
